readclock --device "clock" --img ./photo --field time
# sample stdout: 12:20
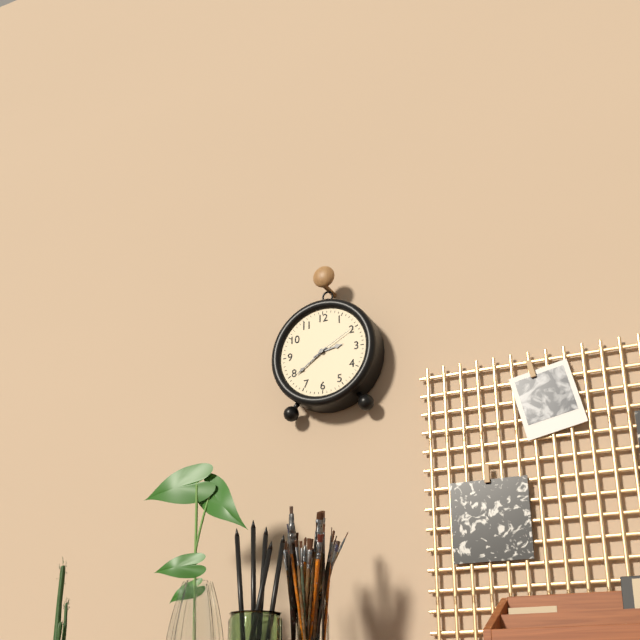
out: 2:39
